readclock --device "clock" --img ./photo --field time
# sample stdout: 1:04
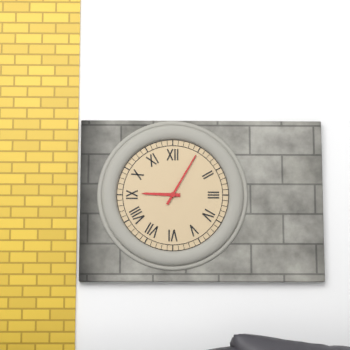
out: 9:05
